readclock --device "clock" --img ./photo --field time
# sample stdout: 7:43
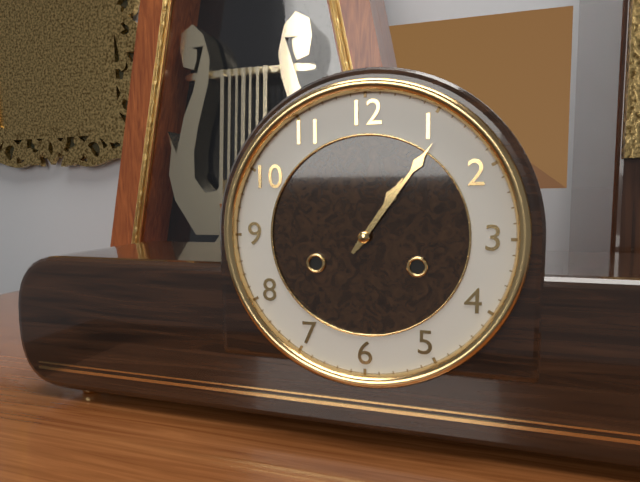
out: 1:06
